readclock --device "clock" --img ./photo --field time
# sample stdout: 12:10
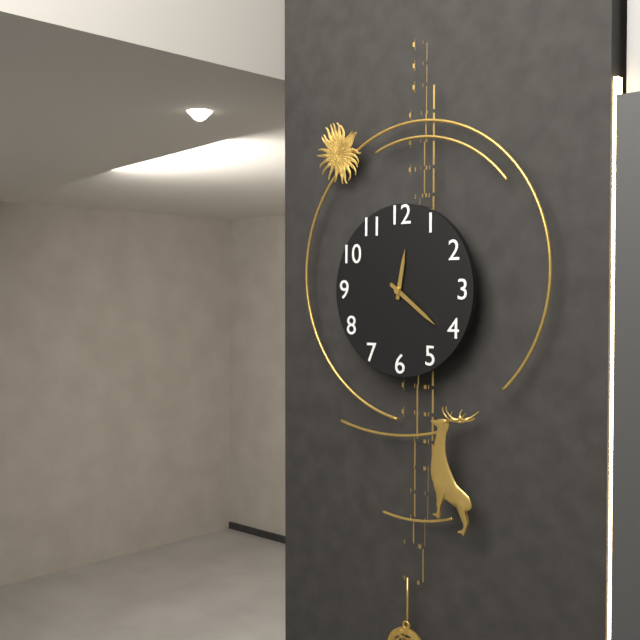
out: 12:21
